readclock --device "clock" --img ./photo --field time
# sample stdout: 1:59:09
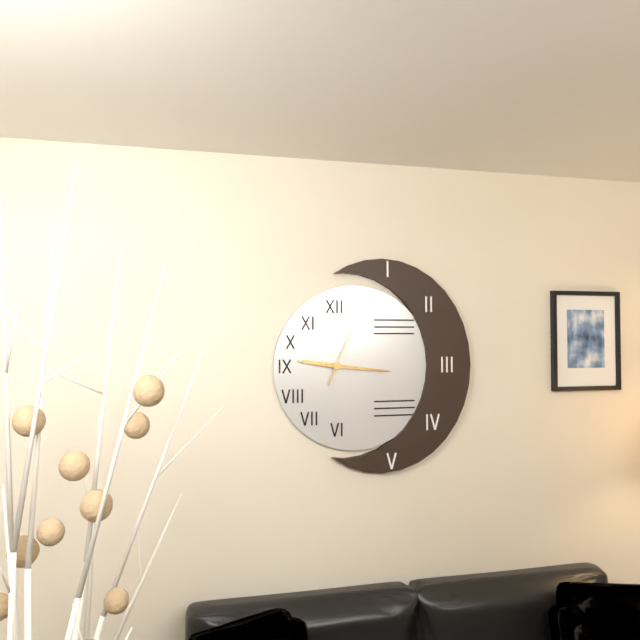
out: 9:16:04
